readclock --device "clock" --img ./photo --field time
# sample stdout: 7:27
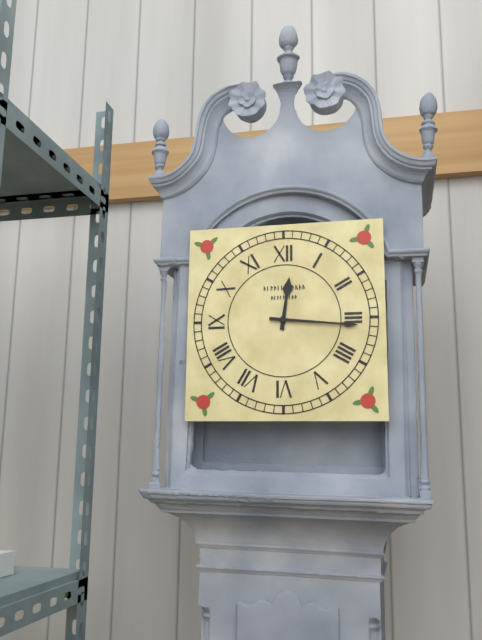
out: 12:16
